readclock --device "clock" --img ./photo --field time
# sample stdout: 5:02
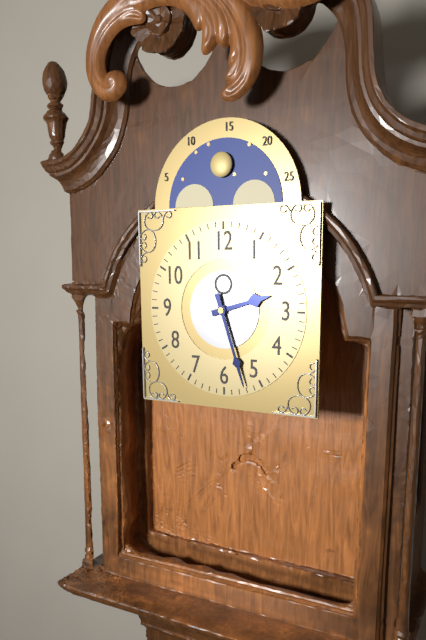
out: 2:27
